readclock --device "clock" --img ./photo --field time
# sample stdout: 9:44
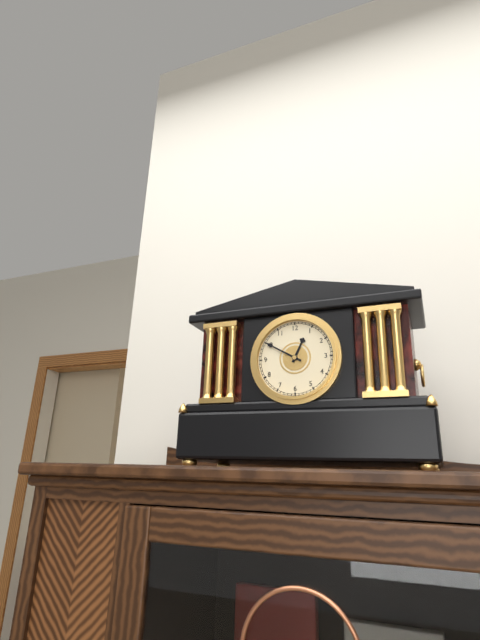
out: 12:50
